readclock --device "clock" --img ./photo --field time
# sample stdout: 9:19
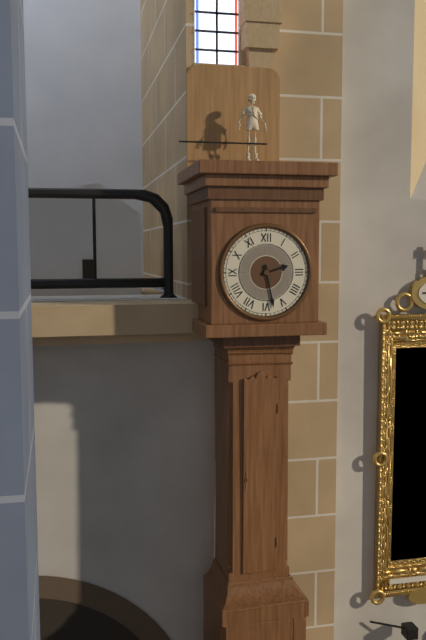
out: 2:28
